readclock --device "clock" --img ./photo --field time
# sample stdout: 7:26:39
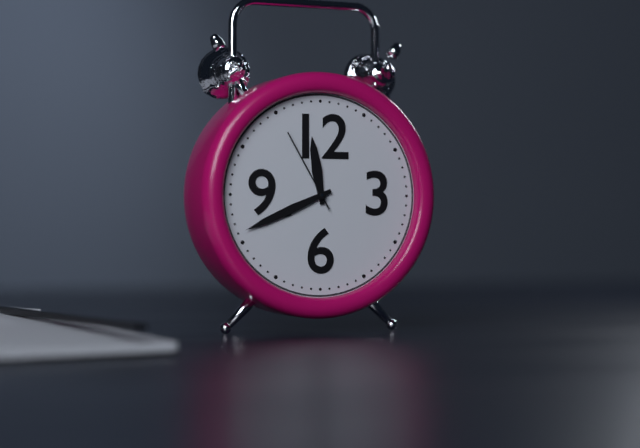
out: 11:41:55
